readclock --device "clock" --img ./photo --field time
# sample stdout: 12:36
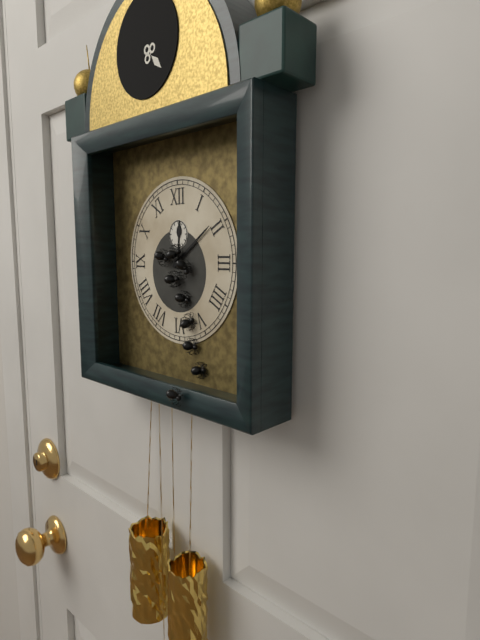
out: 12:09
